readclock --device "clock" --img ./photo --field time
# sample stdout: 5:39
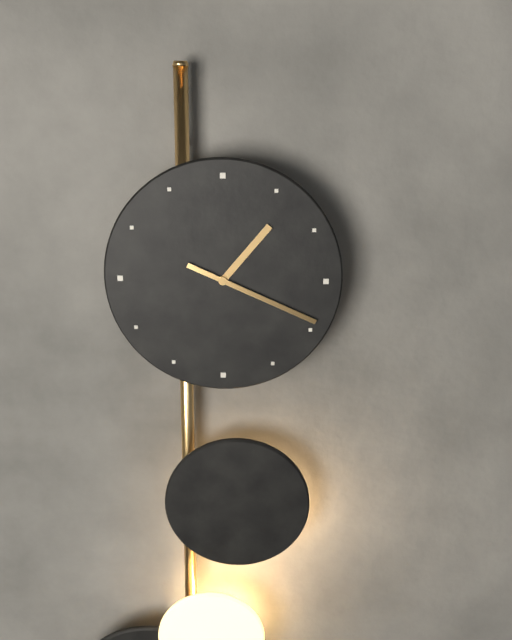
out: 1:19
